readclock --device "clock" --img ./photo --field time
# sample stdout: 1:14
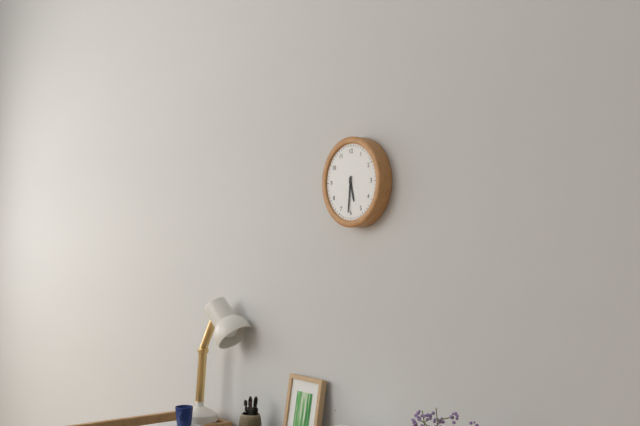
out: 5:31
